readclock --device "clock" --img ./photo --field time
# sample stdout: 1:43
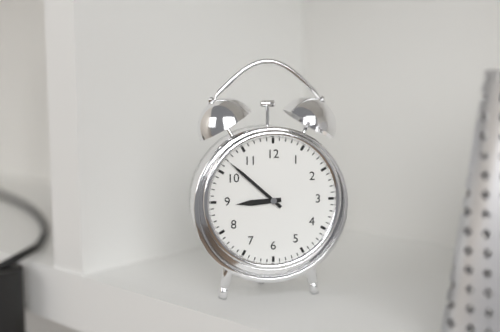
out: 8:52
